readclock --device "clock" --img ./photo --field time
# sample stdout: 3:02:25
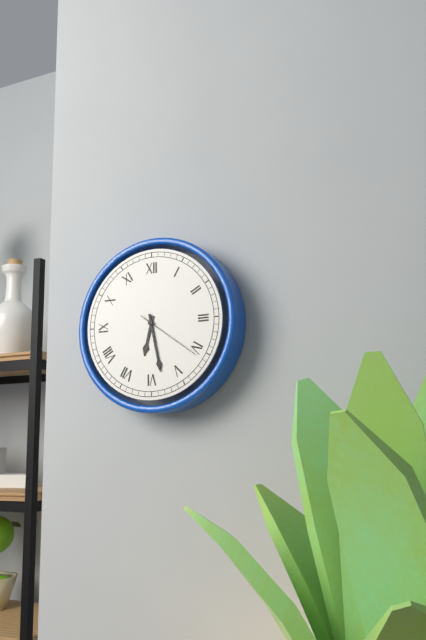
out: 6:28:21
